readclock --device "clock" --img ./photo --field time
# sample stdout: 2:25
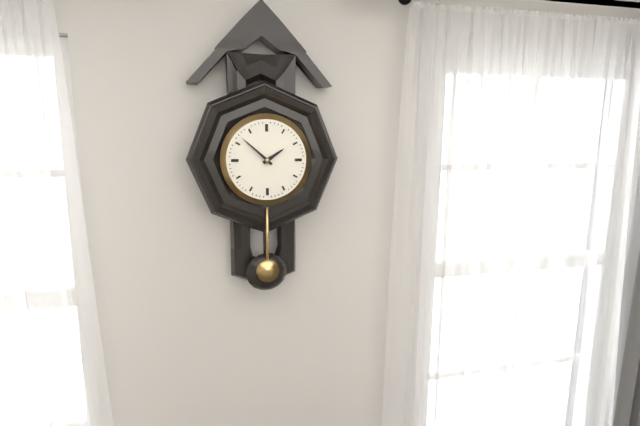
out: 1:52
